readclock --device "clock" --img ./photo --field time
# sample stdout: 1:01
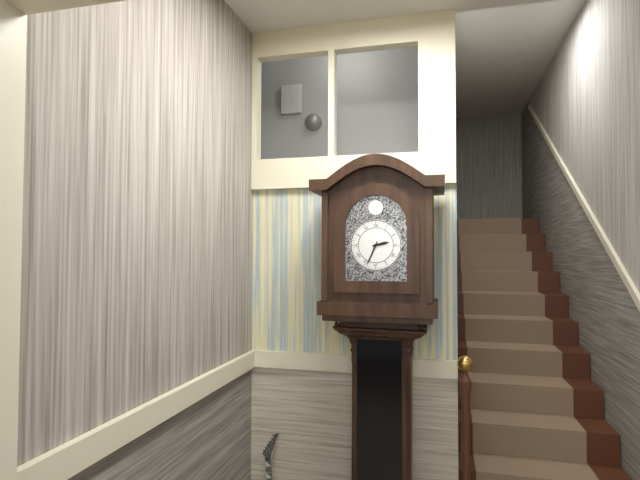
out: 2:34
